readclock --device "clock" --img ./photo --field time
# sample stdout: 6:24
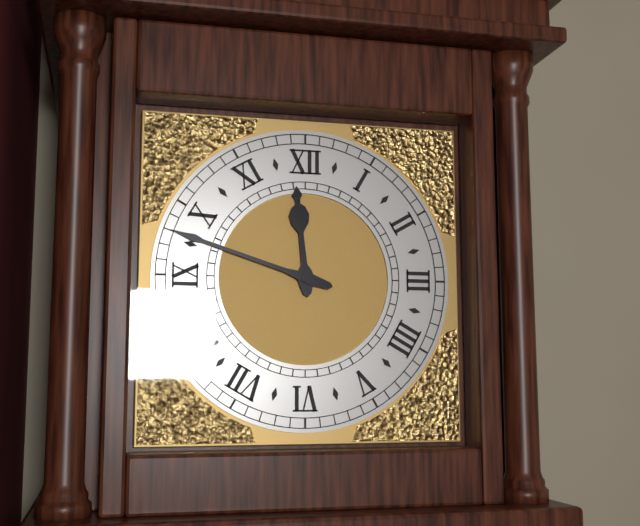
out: 11:48
